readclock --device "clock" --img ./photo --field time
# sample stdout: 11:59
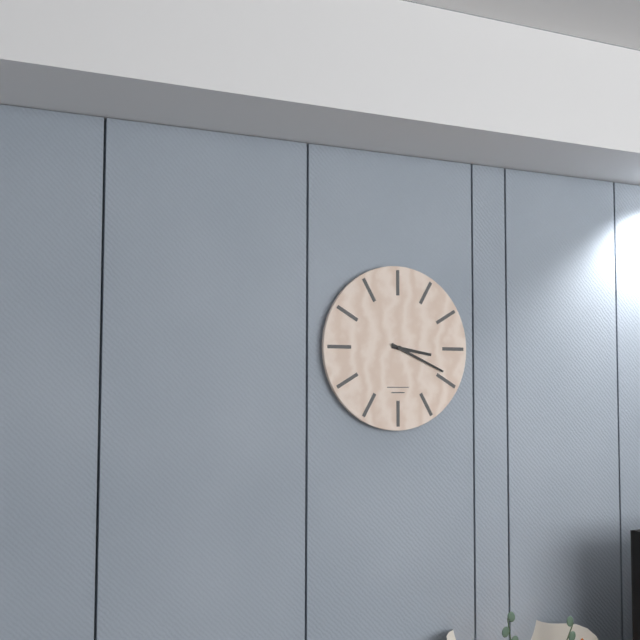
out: 3:19
